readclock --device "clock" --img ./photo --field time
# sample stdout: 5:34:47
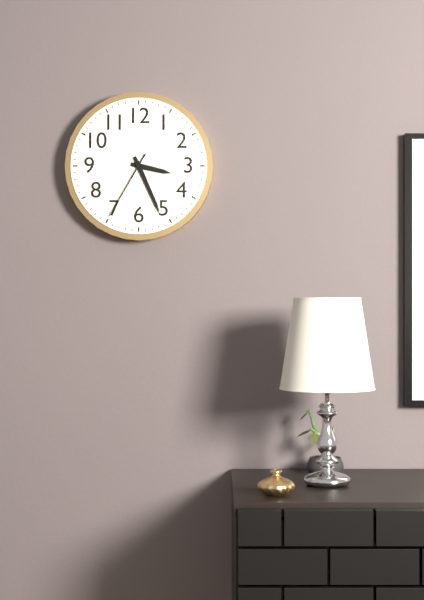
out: 3:26:35
